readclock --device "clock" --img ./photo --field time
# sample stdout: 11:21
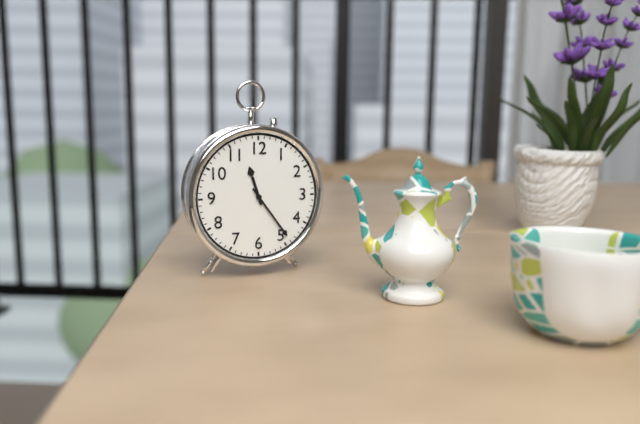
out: 11:24
